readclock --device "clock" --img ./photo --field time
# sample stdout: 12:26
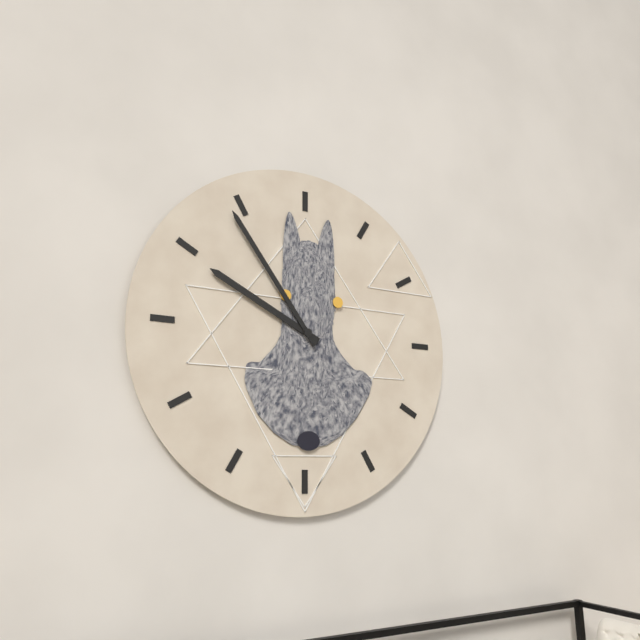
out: 9:54
